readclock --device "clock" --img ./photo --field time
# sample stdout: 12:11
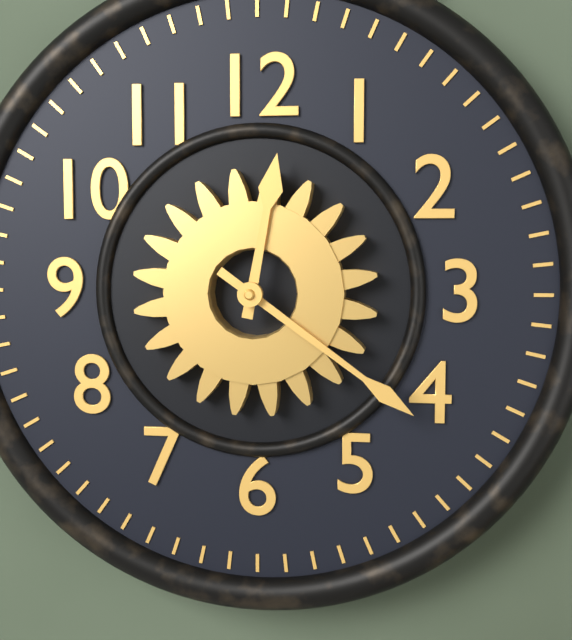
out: 12:21
